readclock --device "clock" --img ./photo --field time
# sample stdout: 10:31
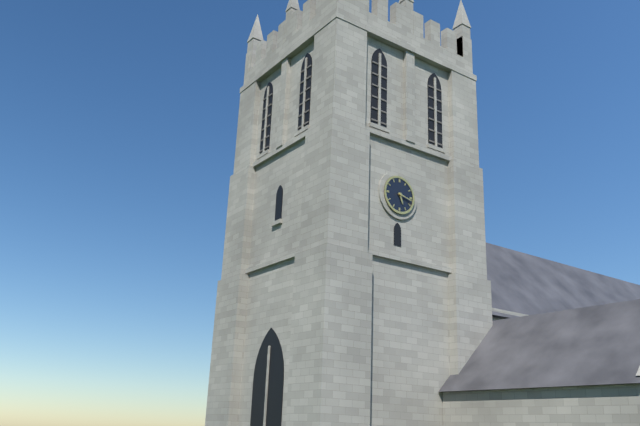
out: 5:17
